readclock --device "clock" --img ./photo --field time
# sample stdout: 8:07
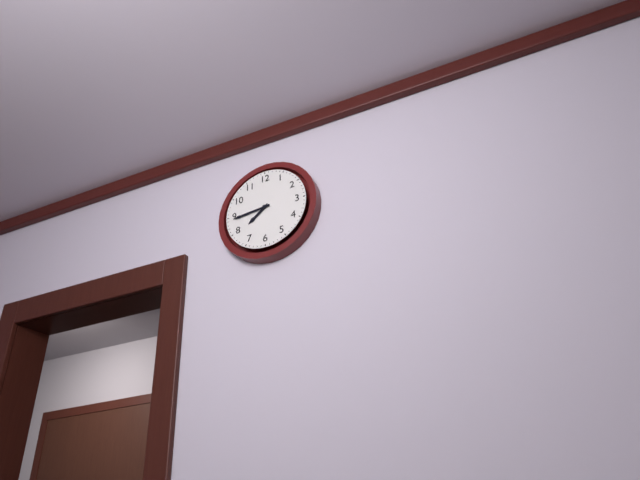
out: 7:44
